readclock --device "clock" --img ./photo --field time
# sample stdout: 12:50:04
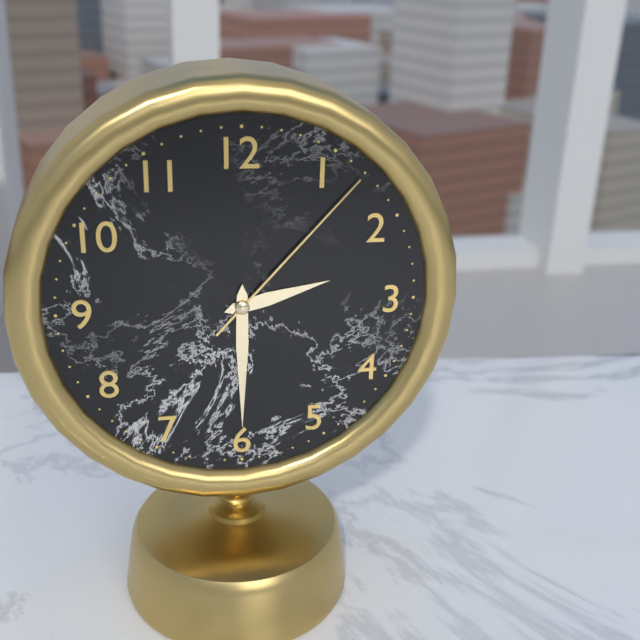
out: 2:30:07
